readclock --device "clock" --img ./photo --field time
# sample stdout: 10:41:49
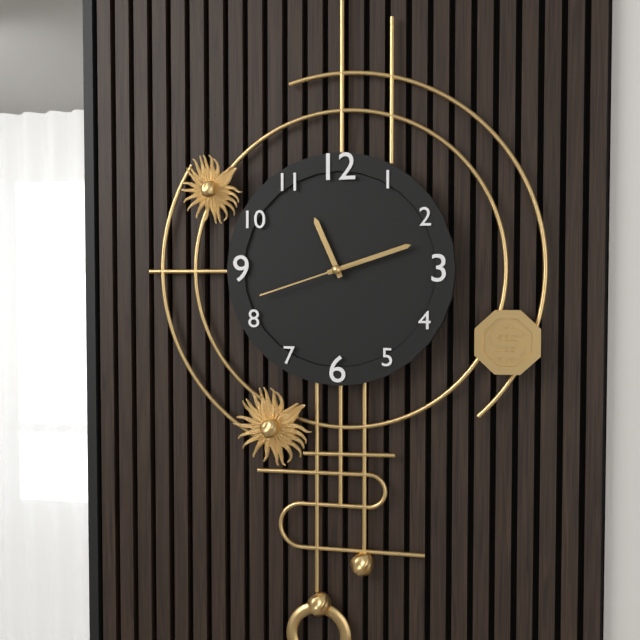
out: 11:12:42
